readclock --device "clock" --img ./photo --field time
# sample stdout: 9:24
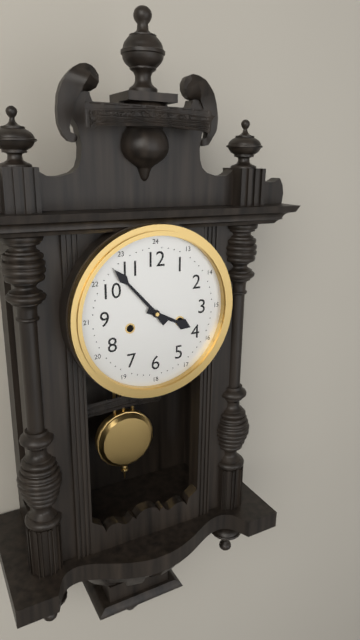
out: 3:53
